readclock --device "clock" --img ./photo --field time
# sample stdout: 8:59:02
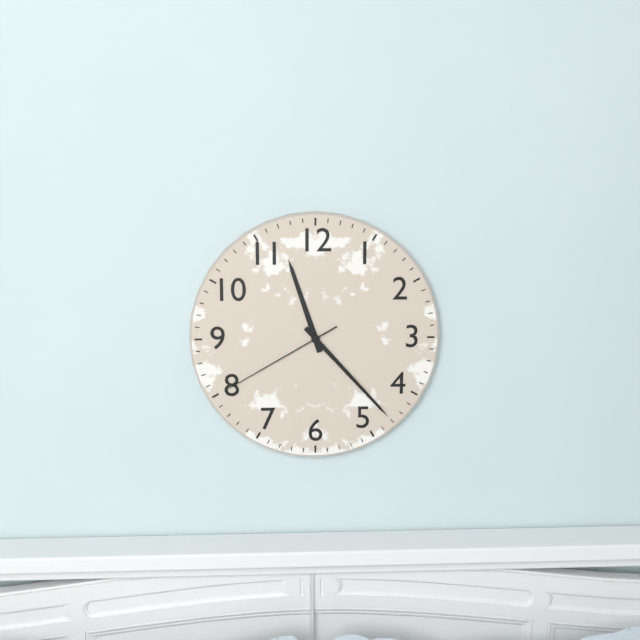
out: 11:23:40
